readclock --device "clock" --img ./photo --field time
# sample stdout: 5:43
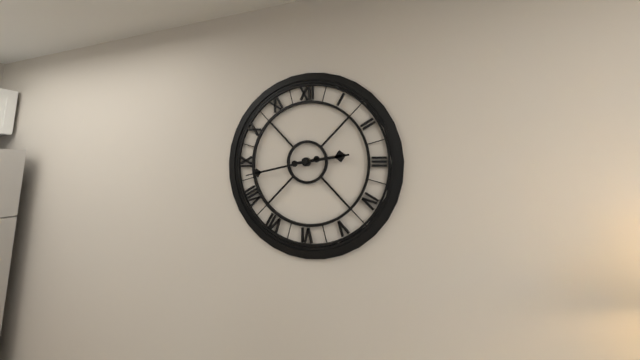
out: 2:43
